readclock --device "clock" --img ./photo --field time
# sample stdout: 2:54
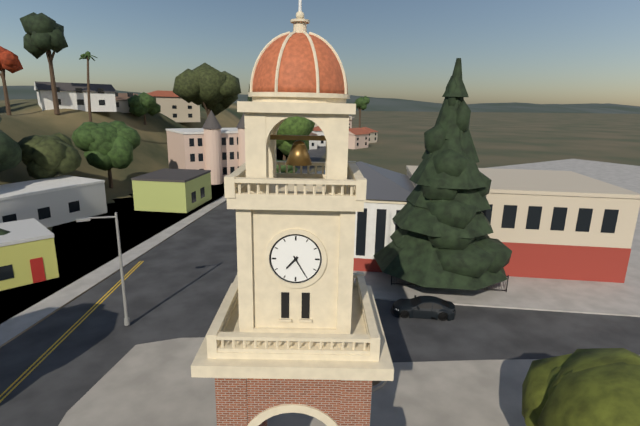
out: 7:25
